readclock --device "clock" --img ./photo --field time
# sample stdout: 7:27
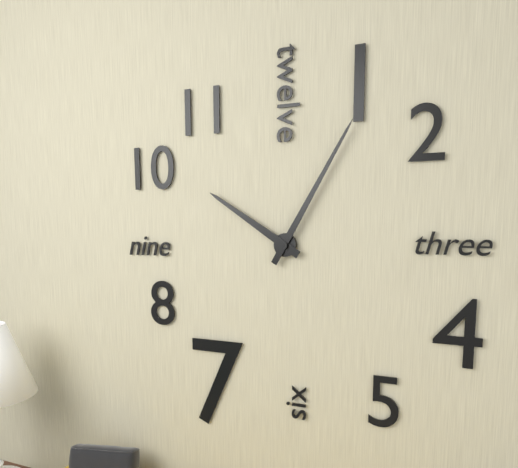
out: 10:05
